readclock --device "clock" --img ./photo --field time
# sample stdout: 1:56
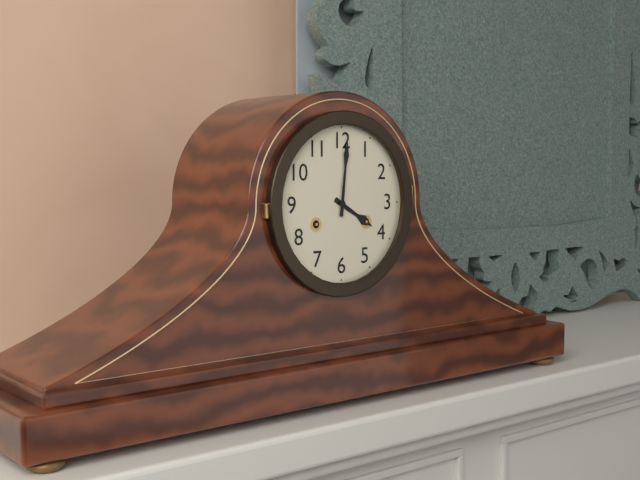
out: 4:01
